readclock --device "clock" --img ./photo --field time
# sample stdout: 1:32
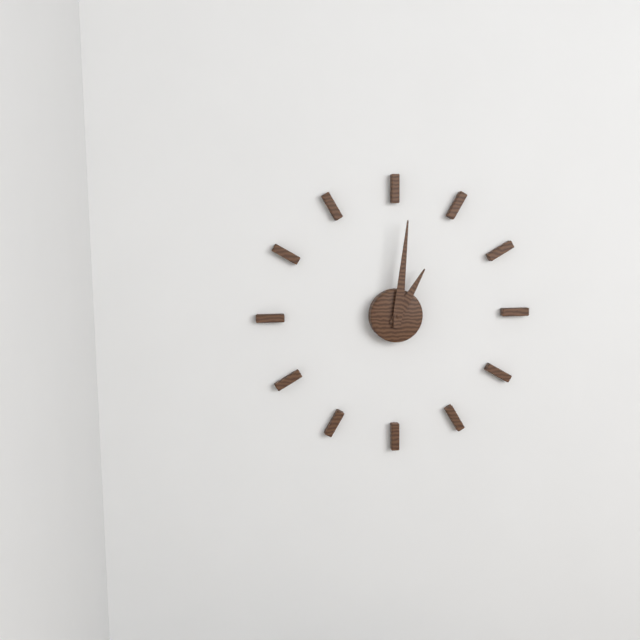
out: 1:01
